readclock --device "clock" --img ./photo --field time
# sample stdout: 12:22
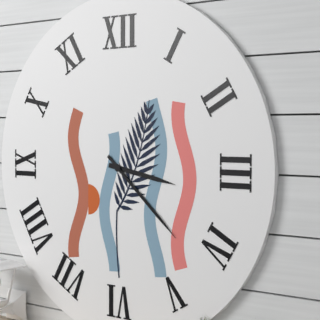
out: 3:22
